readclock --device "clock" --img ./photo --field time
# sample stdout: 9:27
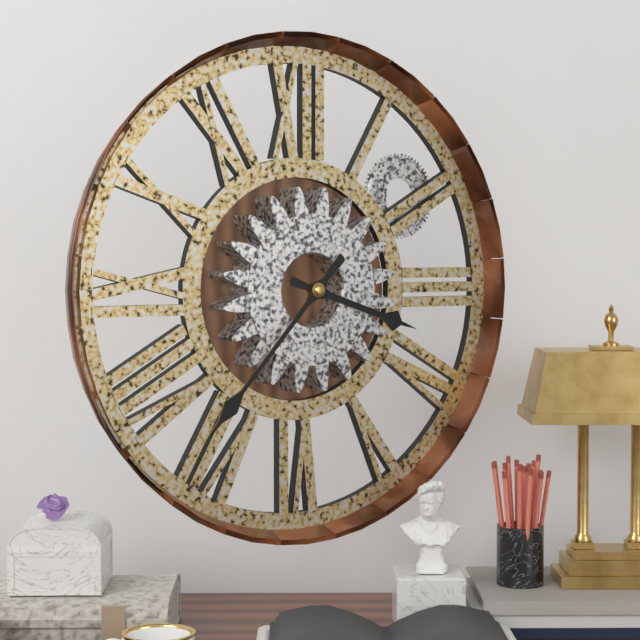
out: 3:37
